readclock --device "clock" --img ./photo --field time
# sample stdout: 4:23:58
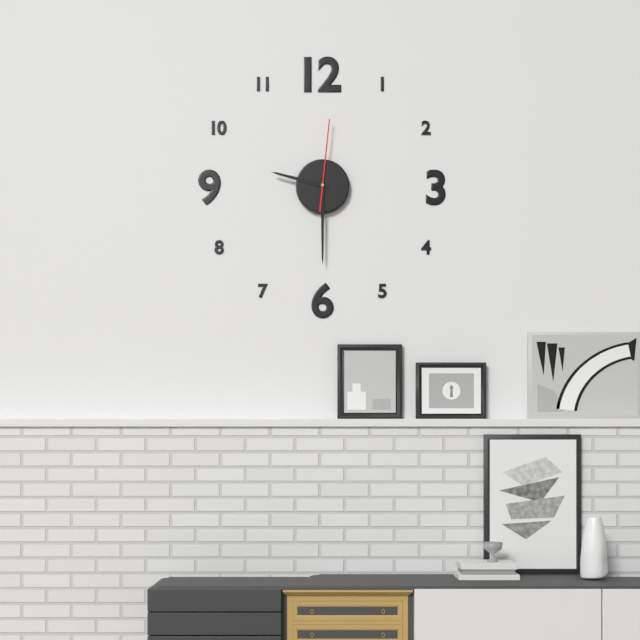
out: 9:30:01
